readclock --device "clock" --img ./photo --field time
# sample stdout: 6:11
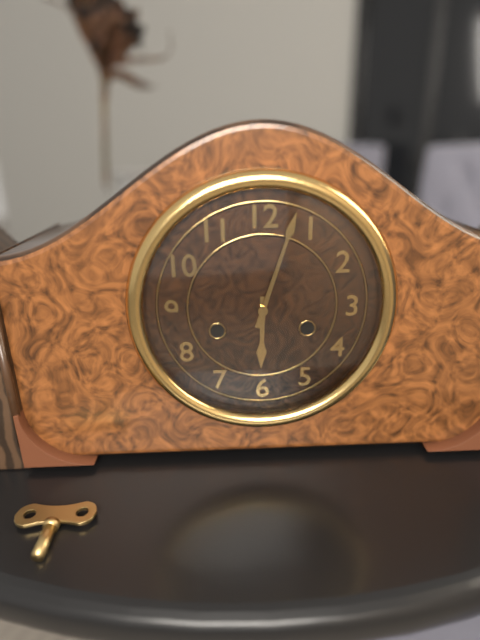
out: 6:03
